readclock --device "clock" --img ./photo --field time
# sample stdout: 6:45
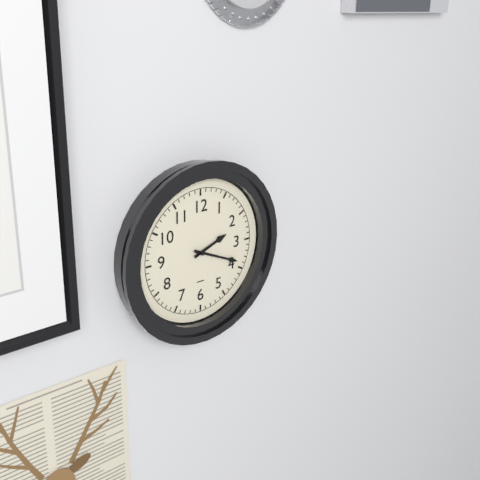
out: 2:19
